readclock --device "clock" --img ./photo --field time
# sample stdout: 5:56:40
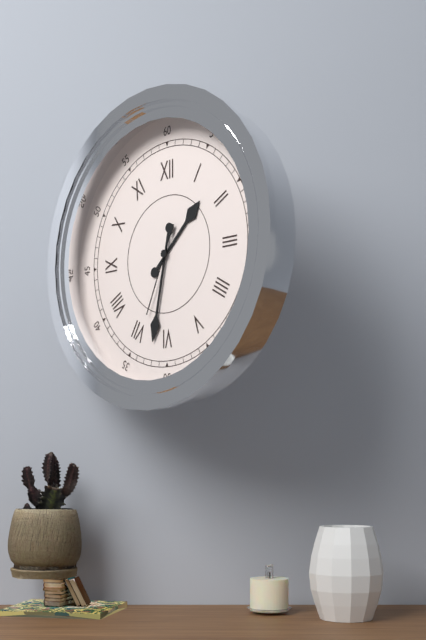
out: 1:32:34
